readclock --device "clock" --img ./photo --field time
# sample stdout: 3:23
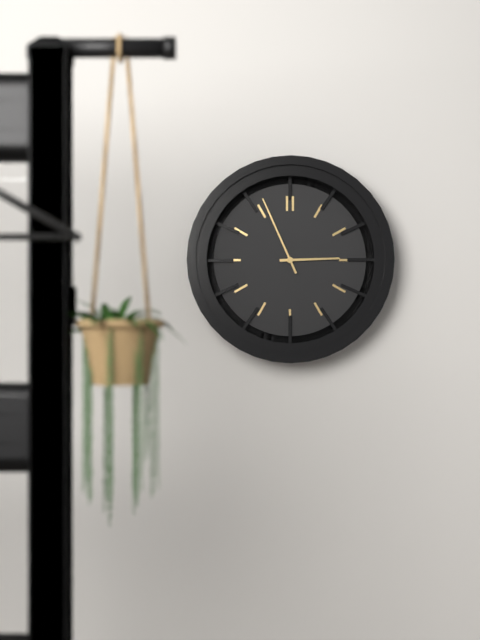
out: 2:56
